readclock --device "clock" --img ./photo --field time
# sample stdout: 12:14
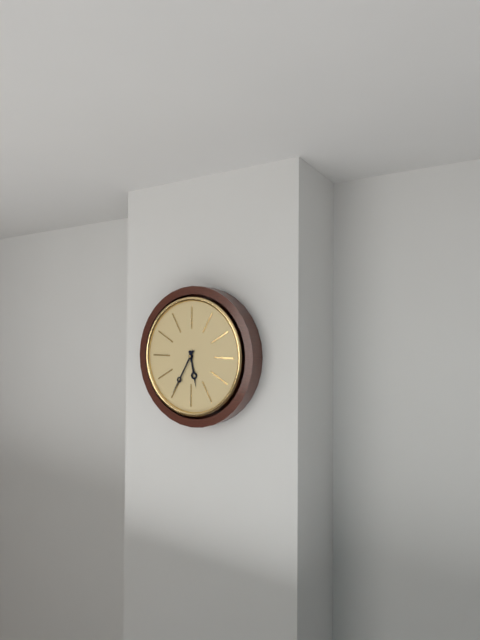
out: 5:35
